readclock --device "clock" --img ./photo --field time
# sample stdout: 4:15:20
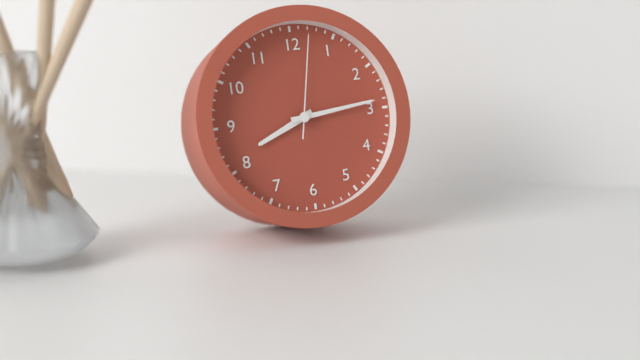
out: 8:14:02
